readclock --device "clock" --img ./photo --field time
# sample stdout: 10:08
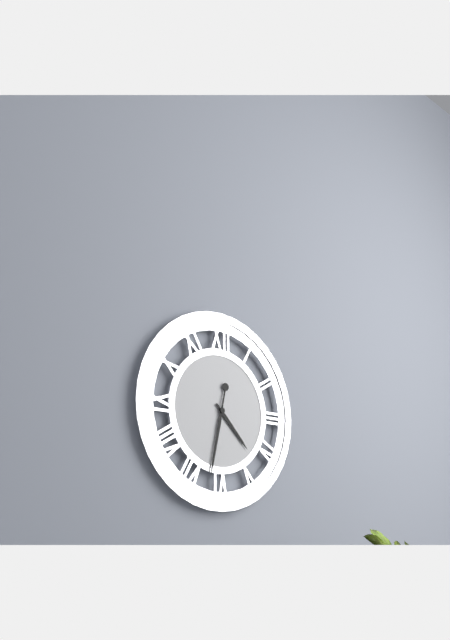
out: 4:32
